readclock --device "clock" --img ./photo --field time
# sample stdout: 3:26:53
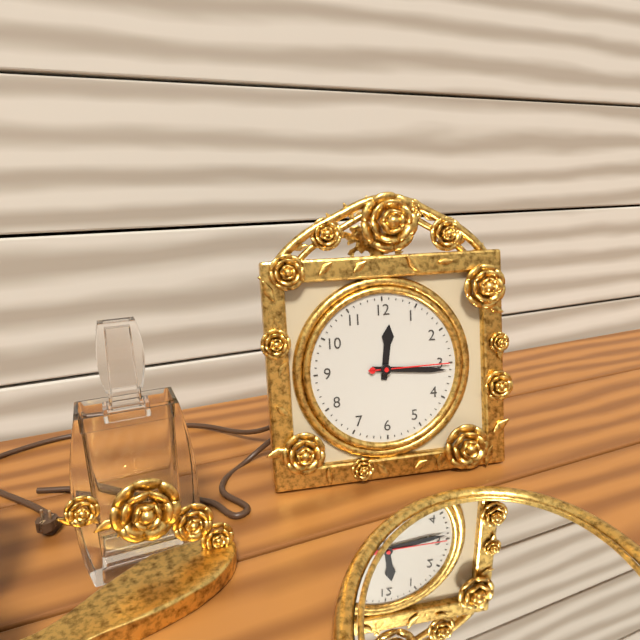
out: 12:16:15
